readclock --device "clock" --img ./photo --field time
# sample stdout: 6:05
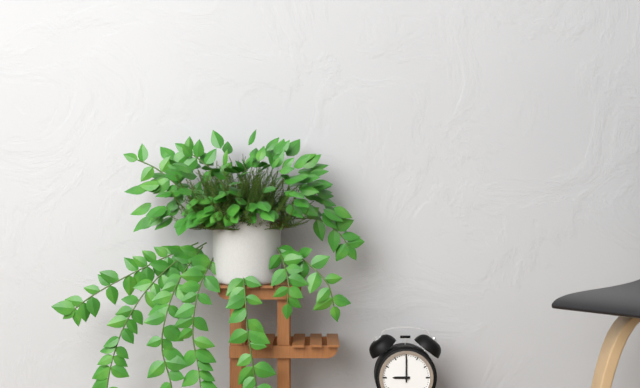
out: 9:00
